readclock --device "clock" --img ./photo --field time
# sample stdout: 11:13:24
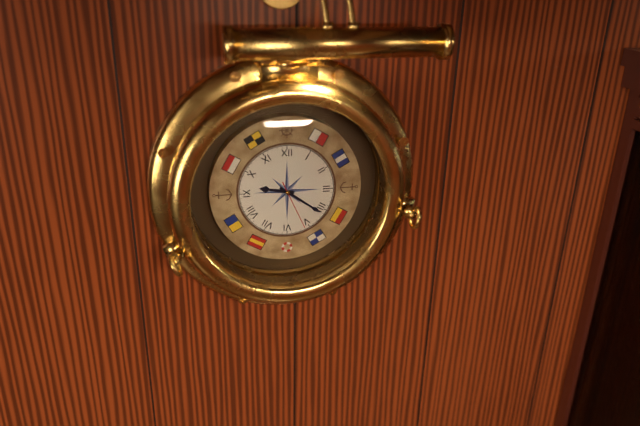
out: 9:21:26
